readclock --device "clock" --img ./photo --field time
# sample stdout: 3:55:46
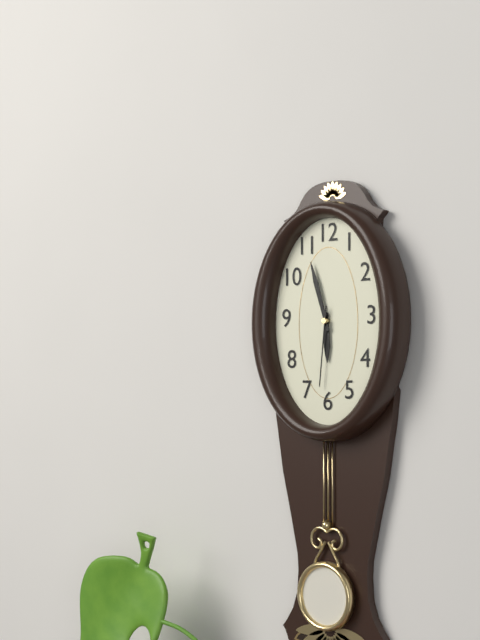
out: 5:57:31
